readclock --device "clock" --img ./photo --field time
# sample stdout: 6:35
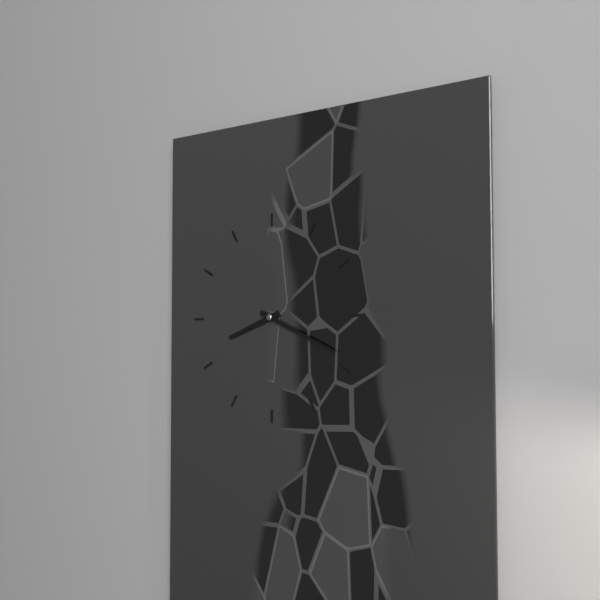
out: 8:19
